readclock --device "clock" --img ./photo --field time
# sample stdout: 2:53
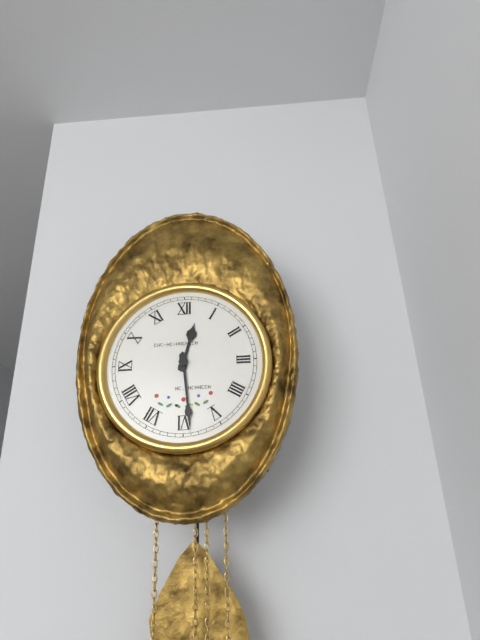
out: 12:29
